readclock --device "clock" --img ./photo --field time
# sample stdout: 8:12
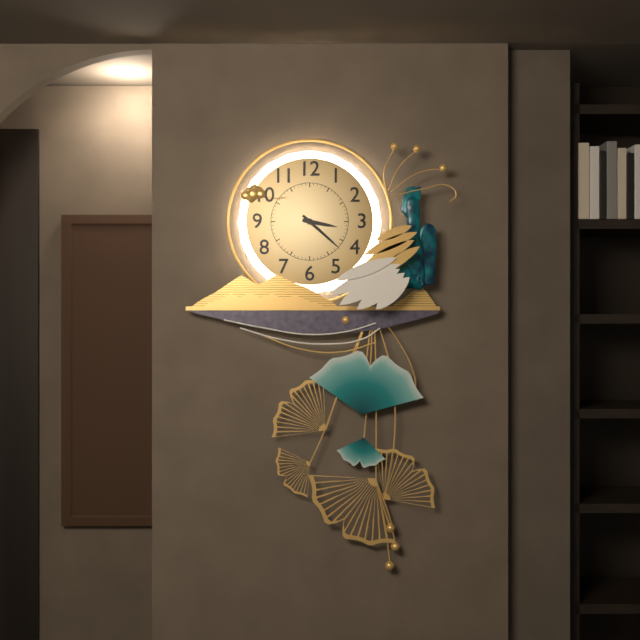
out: 3:22
